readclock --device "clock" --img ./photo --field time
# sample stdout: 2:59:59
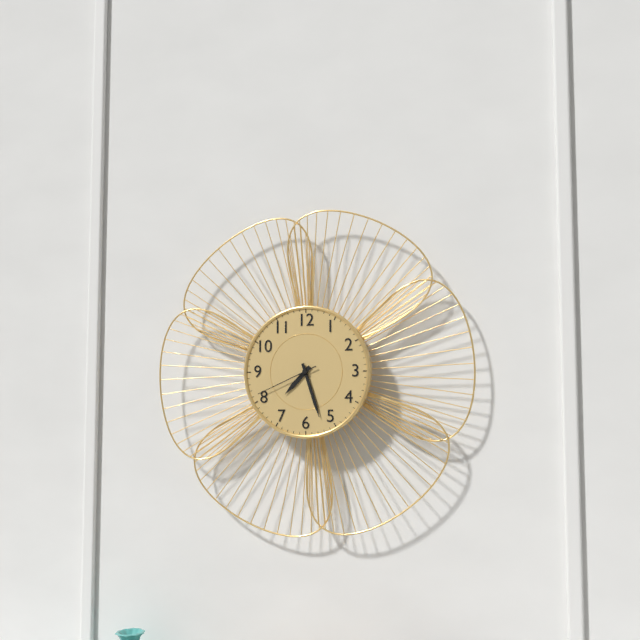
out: 7:27:41
